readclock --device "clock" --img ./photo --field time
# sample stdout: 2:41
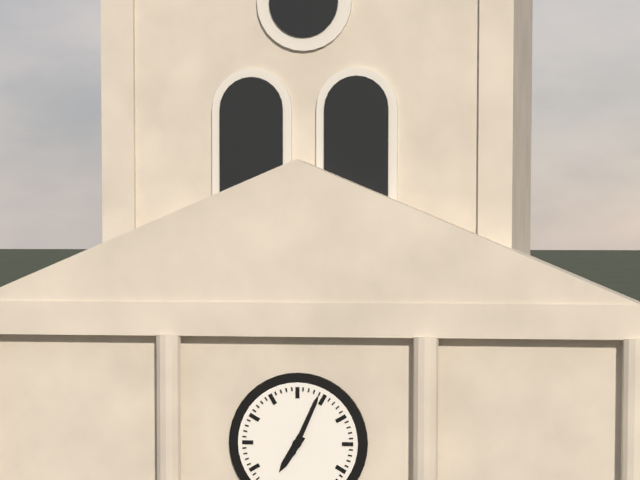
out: 7:04
